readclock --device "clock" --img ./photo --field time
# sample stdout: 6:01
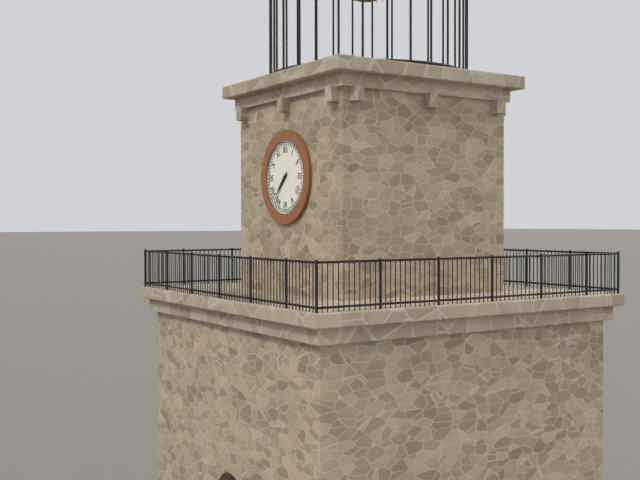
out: 7:37
